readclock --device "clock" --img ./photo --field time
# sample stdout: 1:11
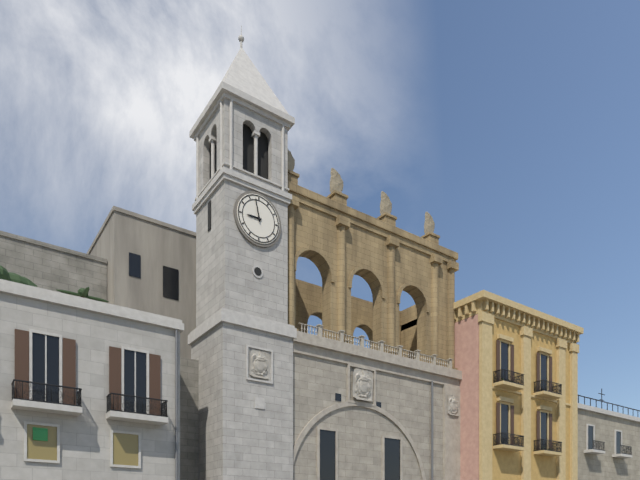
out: 8:58
